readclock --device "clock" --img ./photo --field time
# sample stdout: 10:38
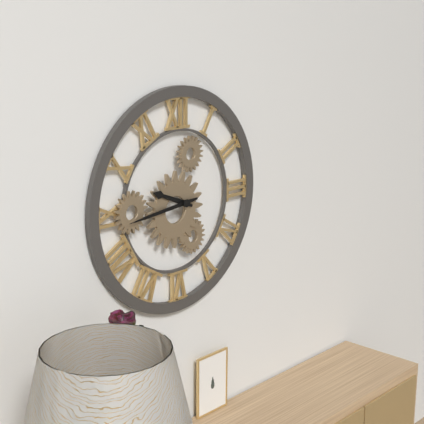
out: 9:44
